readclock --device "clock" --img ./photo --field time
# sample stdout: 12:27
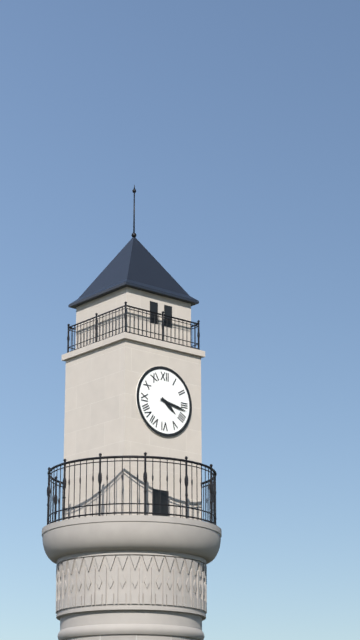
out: 4:17
